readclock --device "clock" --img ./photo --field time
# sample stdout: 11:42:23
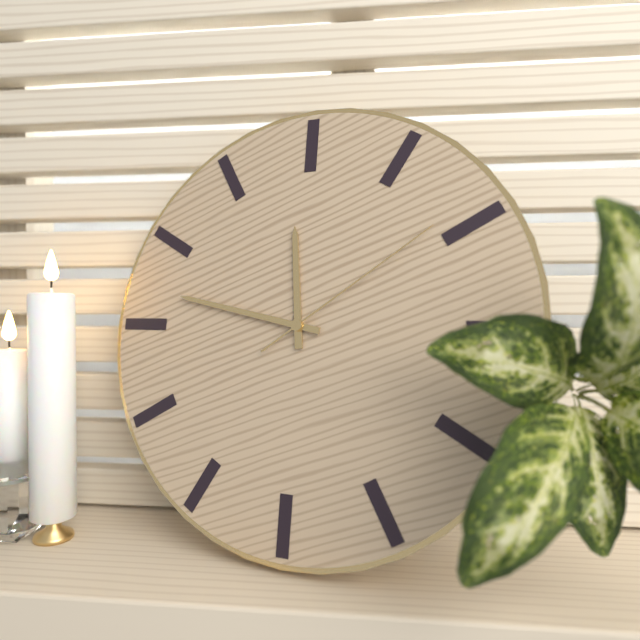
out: 11:47:09
